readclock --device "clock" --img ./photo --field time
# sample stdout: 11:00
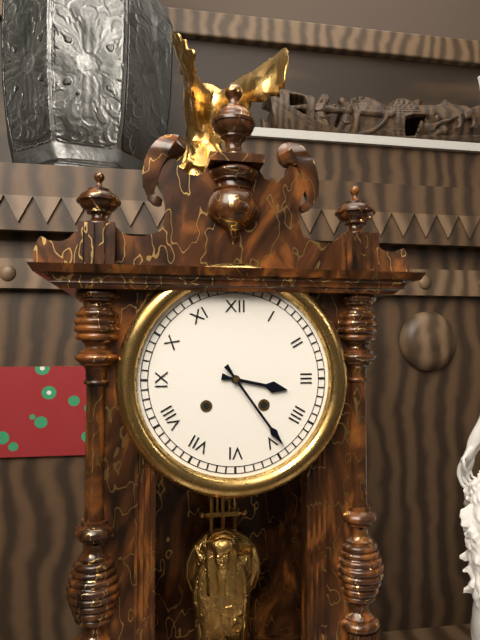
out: 3:24
